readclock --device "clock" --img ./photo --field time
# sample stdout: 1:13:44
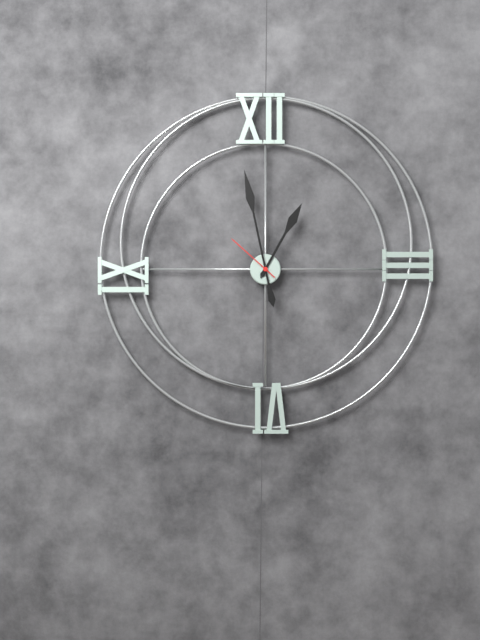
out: 12:58:52
